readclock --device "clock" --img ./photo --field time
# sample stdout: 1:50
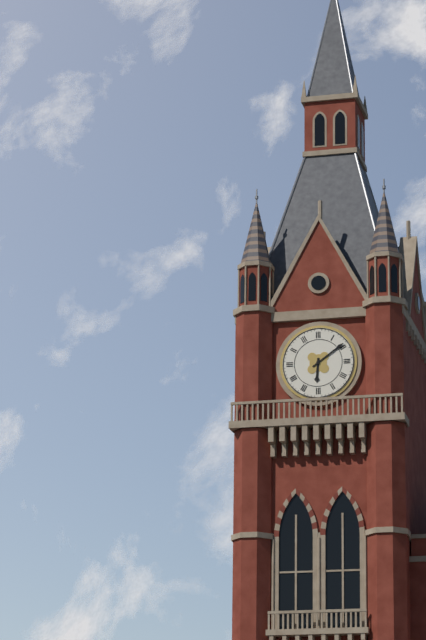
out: 6:09
